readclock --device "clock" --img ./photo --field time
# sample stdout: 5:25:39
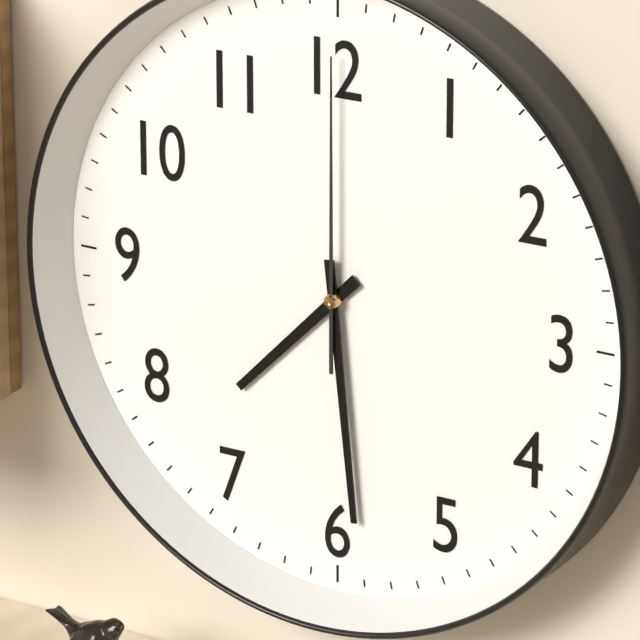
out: 7:29:00
